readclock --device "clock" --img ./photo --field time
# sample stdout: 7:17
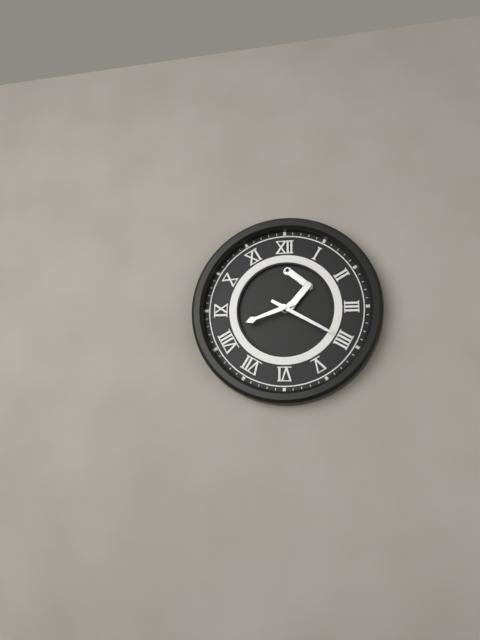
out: 8:20
